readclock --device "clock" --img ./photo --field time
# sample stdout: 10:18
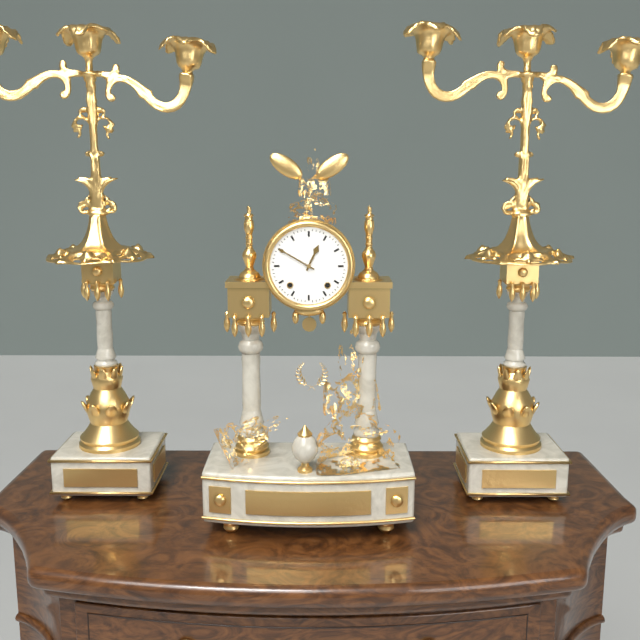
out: 12:50
